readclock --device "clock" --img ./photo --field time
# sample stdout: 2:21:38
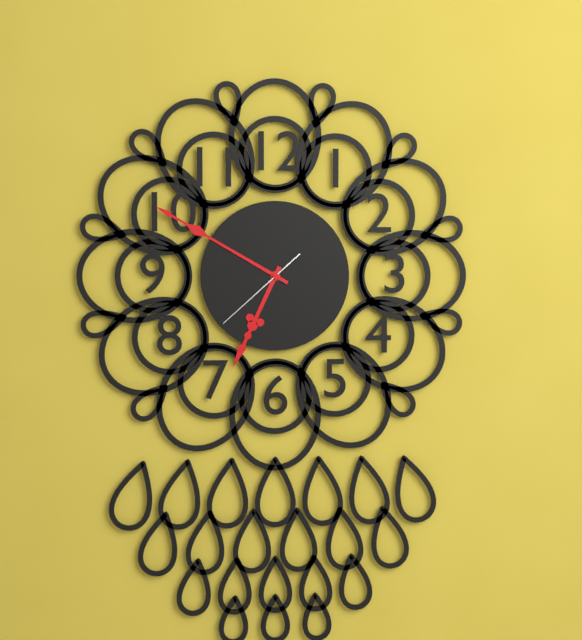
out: 6:50:38
